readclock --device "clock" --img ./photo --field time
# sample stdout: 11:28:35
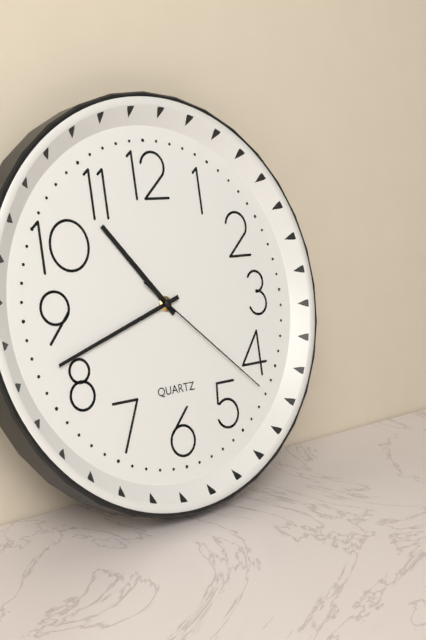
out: 10:42:22
